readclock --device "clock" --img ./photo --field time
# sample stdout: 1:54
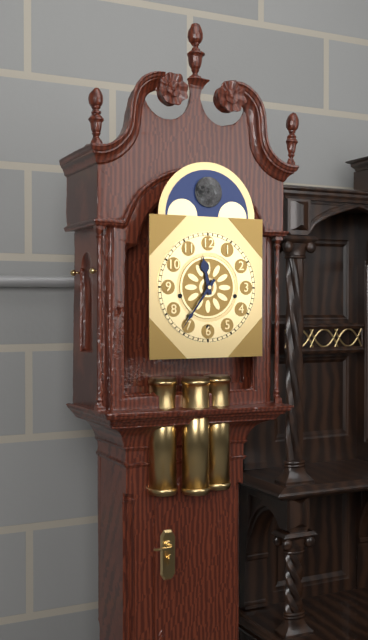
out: 11:36
